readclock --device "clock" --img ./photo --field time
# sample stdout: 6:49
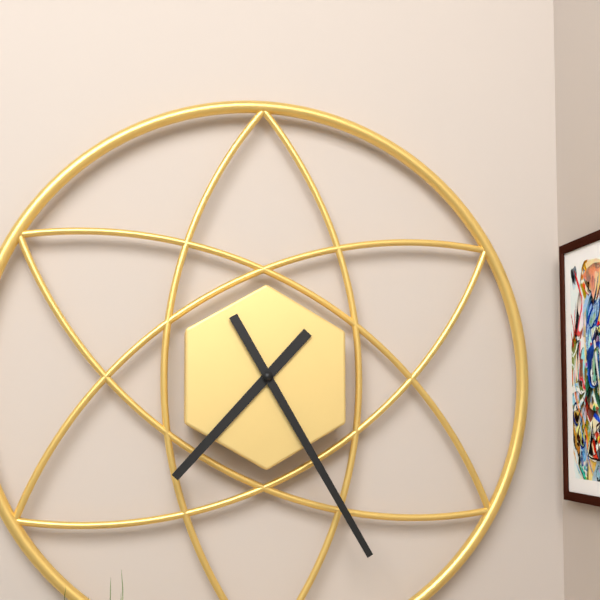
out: 7:25
